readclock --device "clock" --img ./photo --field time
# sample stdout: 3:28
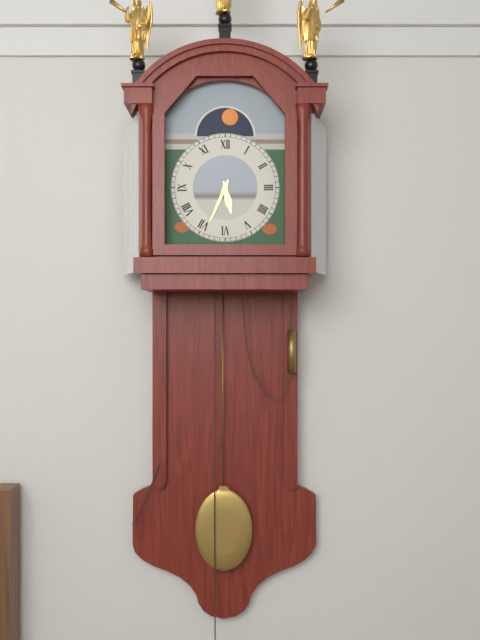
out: 5:34
